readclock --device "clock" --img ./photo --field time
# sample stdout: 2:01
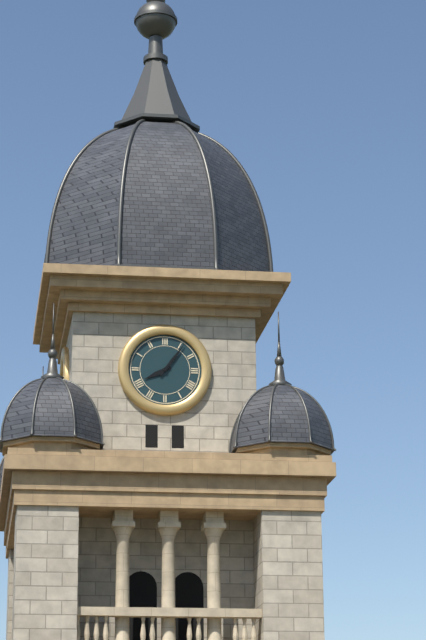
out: 8:06
